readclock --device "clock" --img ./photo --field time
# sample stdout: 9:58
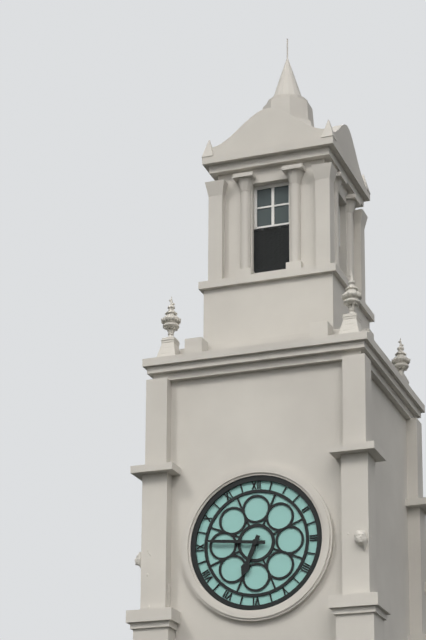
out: 6:46
